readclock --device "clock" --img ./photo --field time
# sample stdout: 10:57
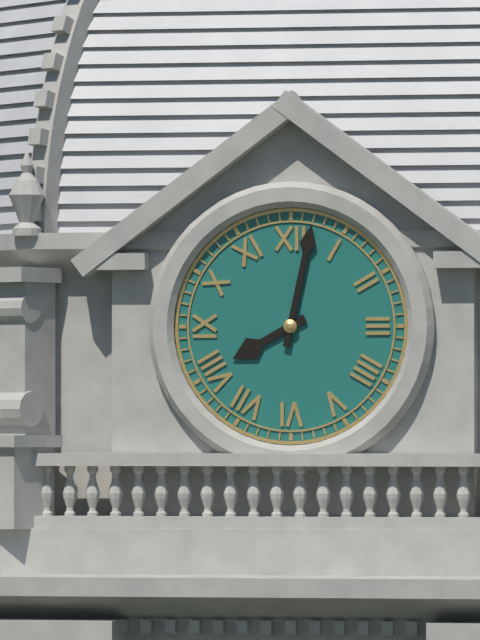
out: 8:02
